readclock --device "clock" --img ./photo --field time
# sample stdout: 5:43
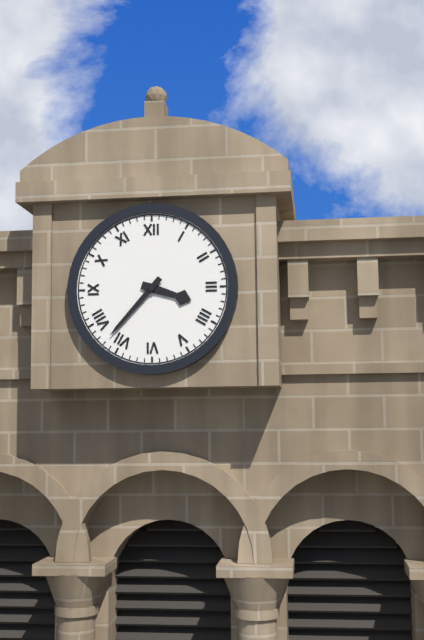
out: 3:37
